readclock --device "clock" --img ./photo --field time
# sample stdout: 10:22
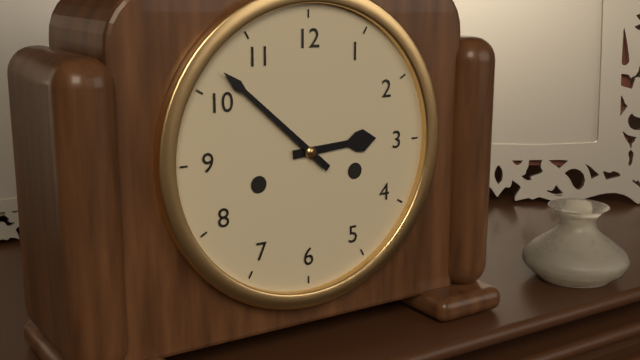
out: 2:52
